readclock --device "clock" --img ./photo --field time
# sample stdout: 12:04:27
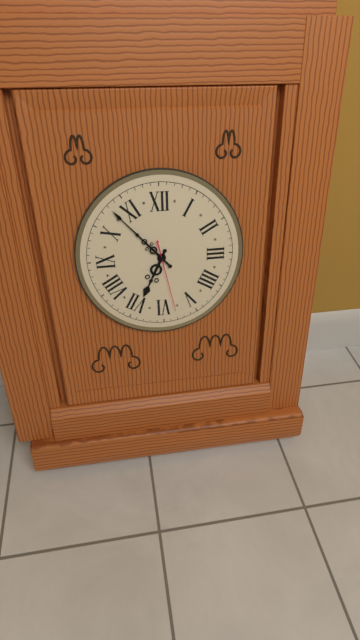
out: 6:53:28
